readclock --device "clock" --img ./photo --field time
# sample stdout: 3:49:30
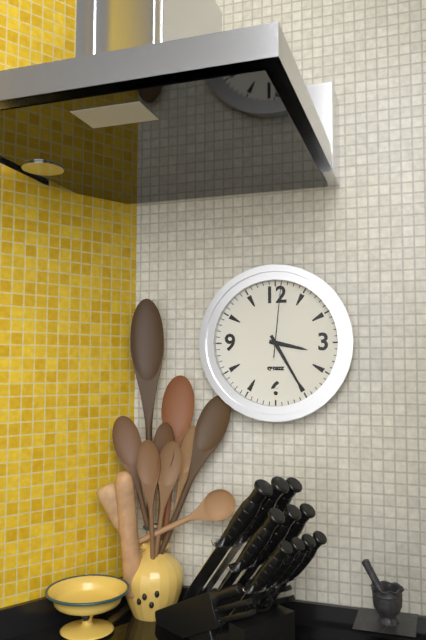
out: 3:25:01
